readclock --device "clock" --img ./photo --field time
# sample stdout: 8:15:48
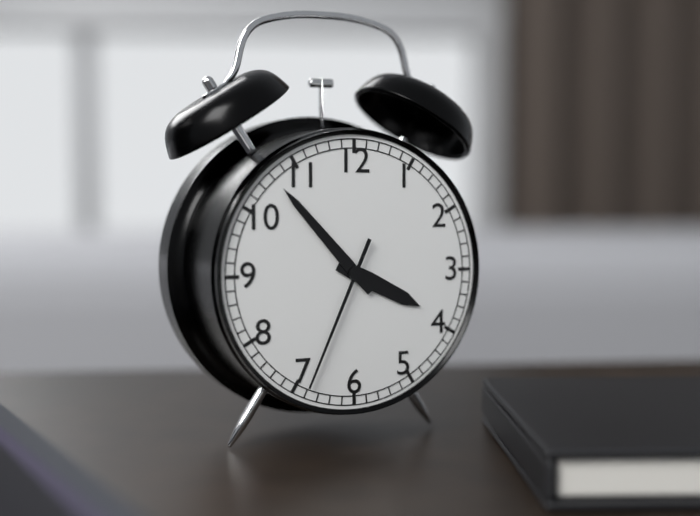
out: 3:53:34
